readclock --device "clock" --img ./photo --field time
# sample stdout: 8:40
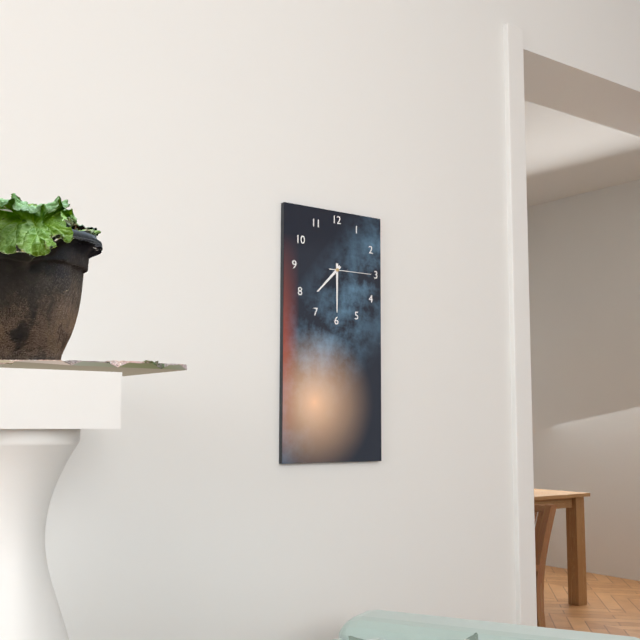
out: 7:30
